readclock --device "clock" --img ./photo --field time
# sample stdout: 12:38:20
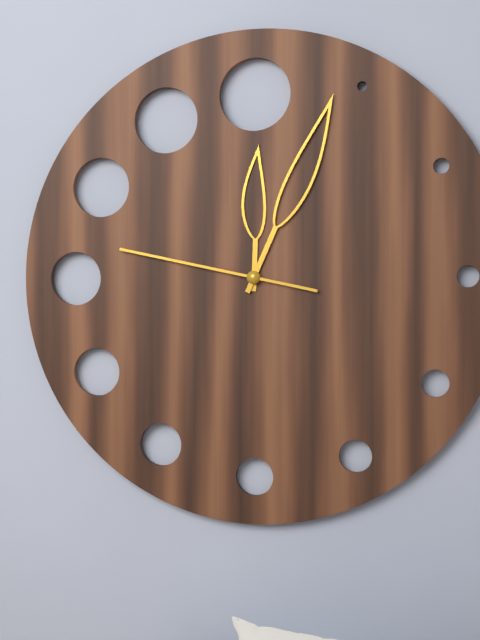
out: 12:04:47
